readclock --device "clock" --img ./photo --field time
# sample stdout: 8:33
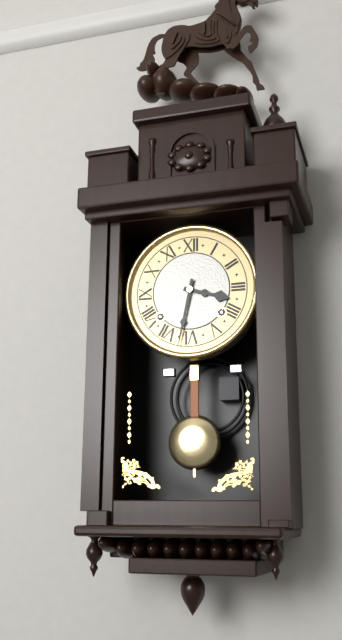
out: 3:32
